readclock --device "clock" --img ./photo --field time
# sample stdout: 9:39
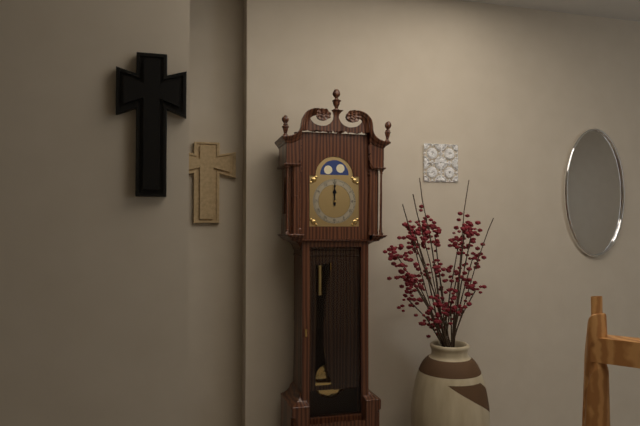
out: 12:00
